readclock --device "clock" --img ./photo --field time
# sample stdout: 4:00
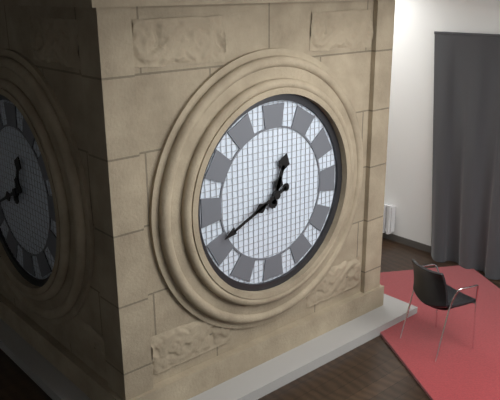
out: 12:41
